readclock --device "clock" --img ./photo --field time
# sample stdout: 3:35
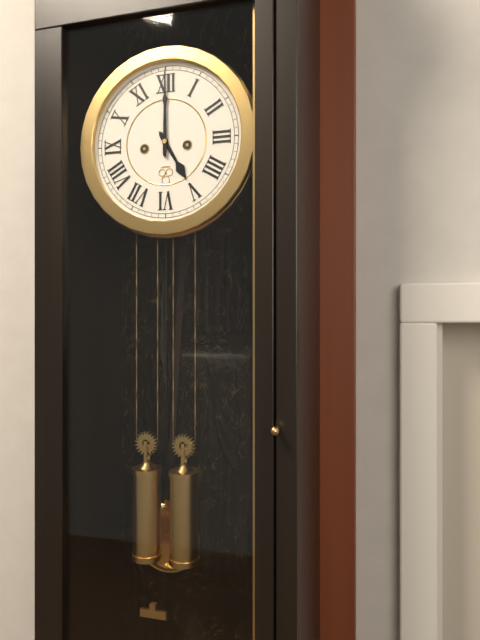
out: 5:00
